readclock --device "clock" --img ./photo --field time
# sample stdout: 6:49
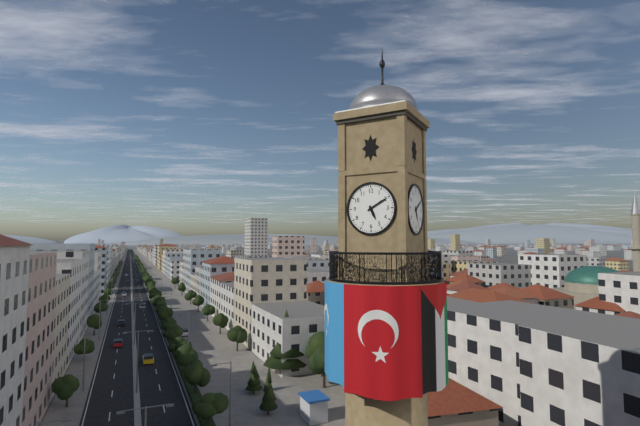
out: 5:10
